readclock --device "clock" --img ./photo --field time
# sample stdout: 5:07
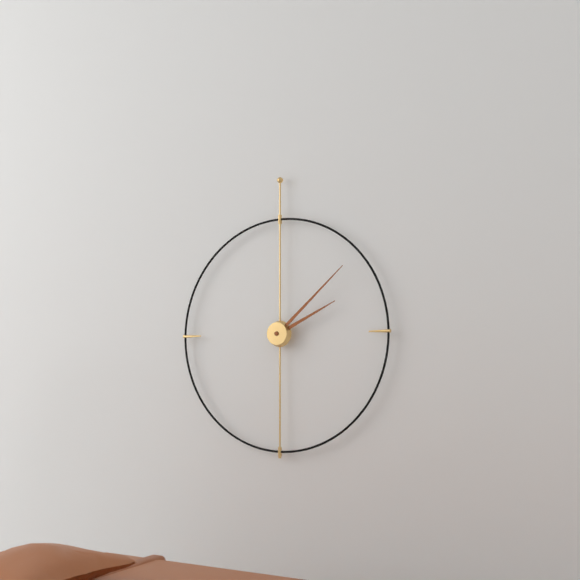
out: 2:08
